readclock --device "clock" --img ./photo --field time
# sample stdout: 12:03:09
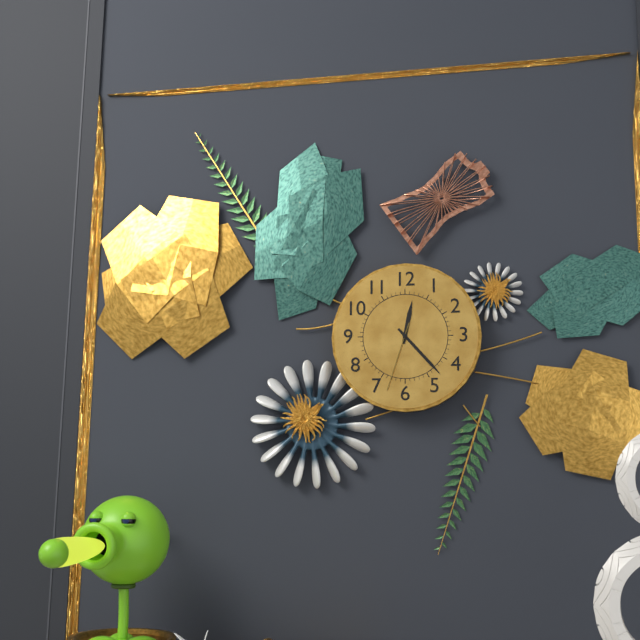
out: 12:23:33
